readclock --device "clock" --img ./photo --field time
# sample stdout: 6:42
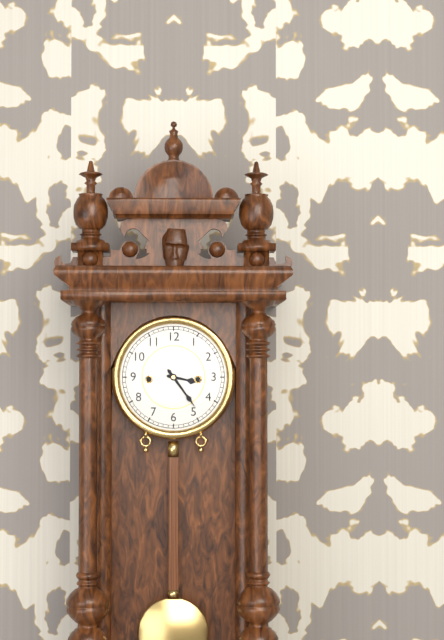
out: 3:24
